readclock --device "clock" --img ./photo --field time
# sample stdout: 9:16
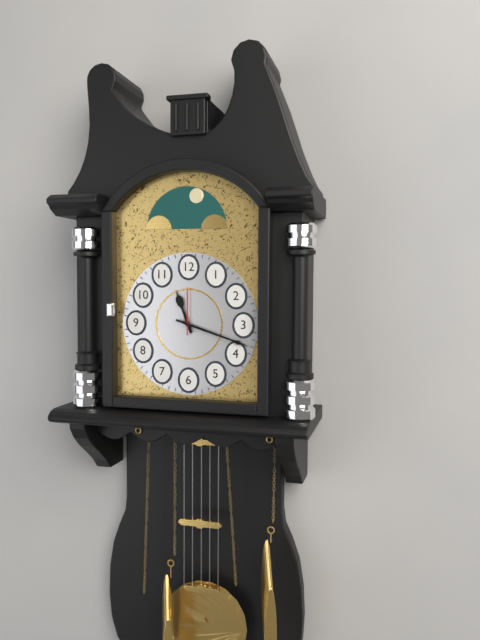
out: 11:18
